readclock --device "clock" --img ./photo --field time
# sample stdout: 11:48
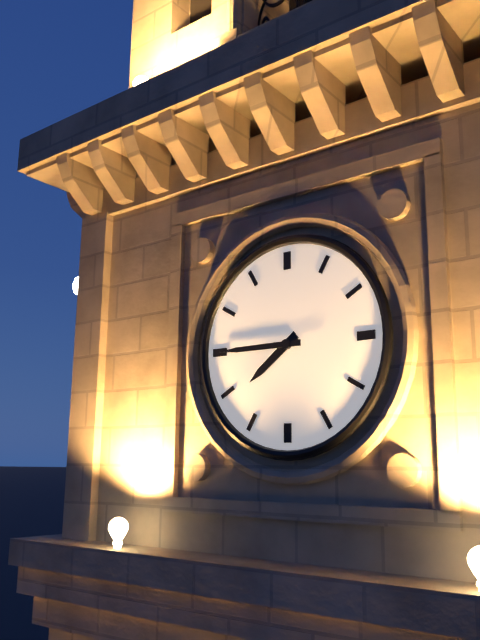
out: 7:45
